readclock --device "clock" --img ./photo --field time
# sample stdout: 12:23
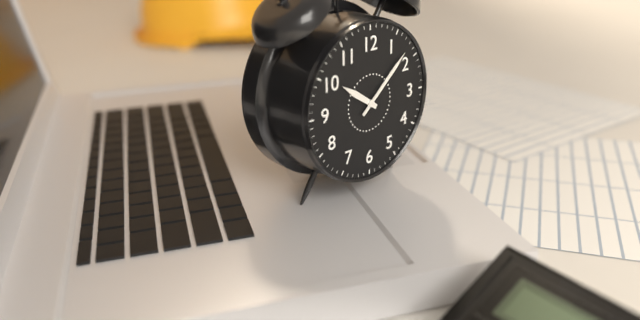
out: 10:08
